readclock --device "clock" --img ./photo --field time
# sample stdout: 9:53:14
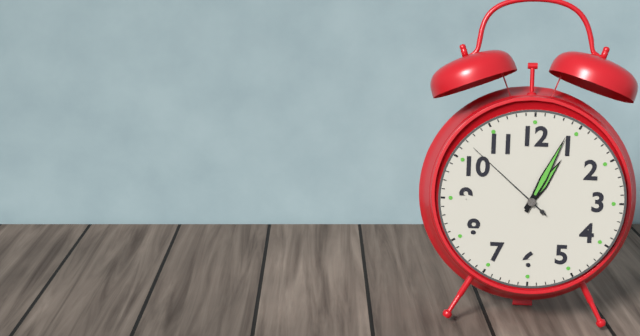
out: 1:04:52
